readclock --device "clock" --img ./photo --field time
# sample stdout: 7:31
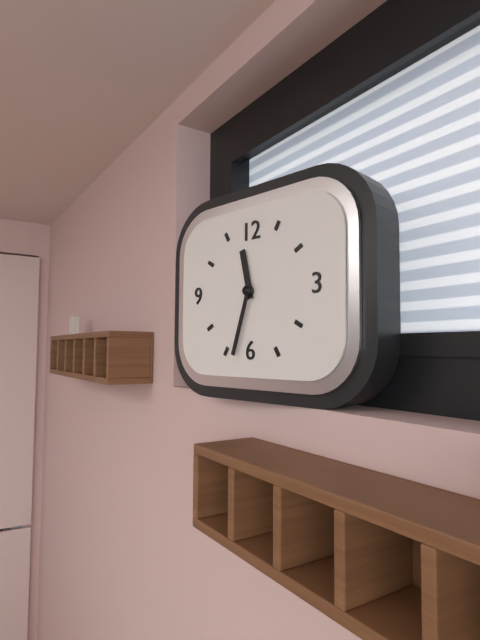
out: 11:33
